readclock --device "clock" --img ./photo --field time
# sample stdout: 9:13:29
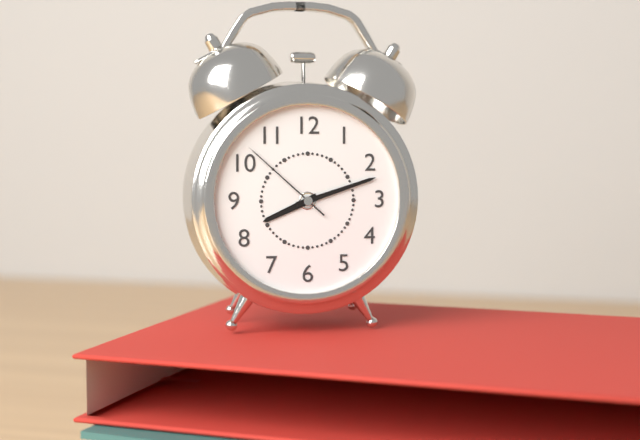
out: 8:12:52
